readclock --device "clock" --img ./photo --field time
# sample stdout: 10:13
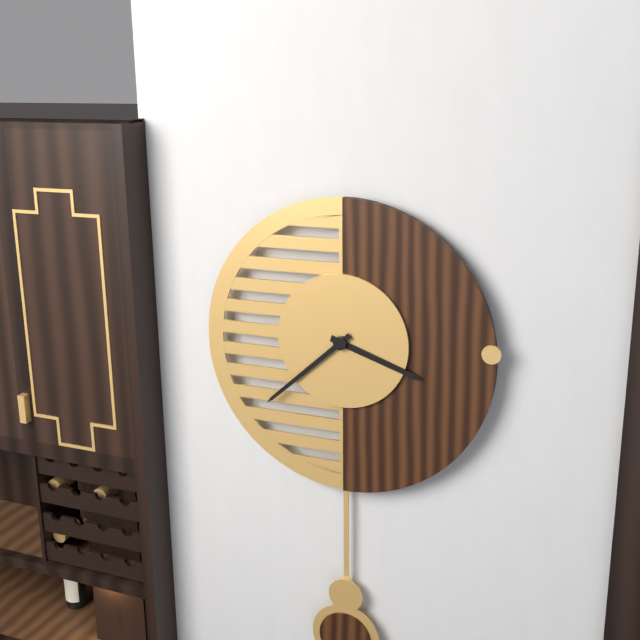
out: 3:38
